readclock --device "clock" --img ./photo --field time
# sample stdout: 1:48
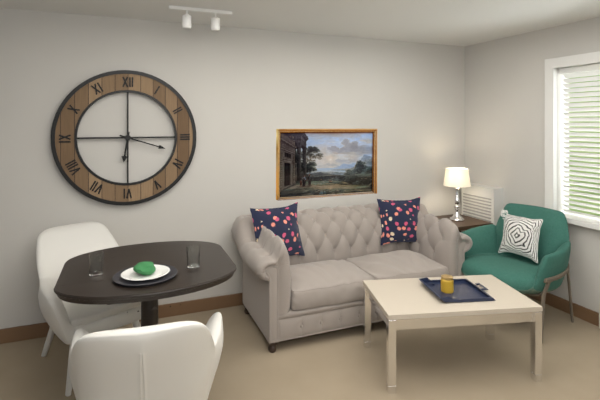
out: 6:18
